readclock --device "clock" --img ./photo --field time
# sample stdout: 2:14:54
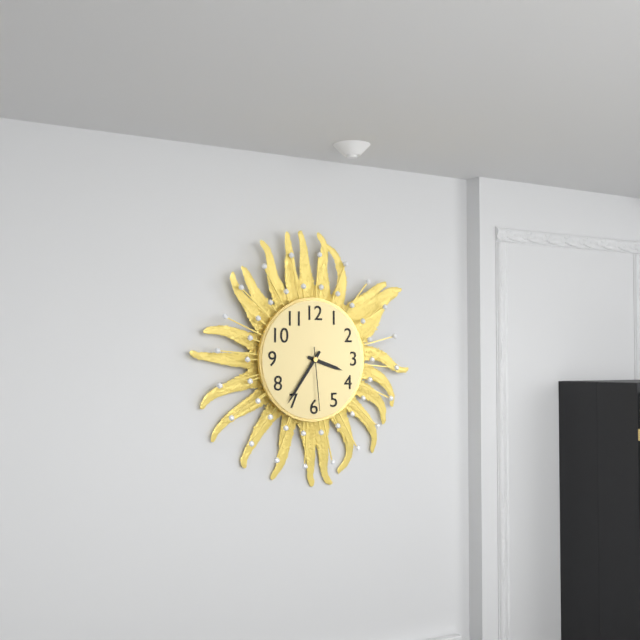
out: 3:36:29
